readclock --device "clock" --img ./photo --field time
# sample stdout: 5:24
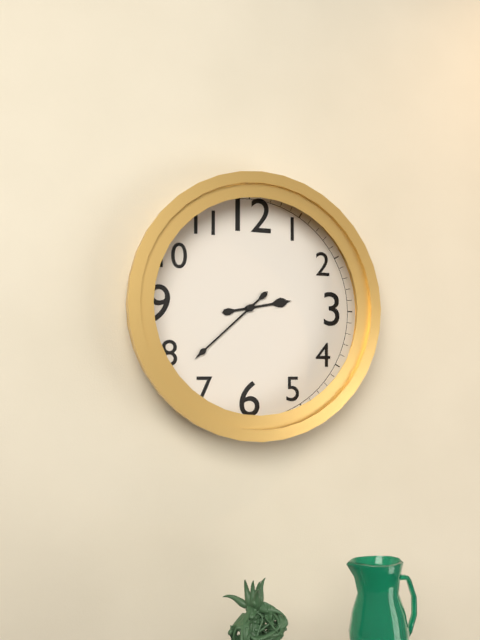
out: 2:38
